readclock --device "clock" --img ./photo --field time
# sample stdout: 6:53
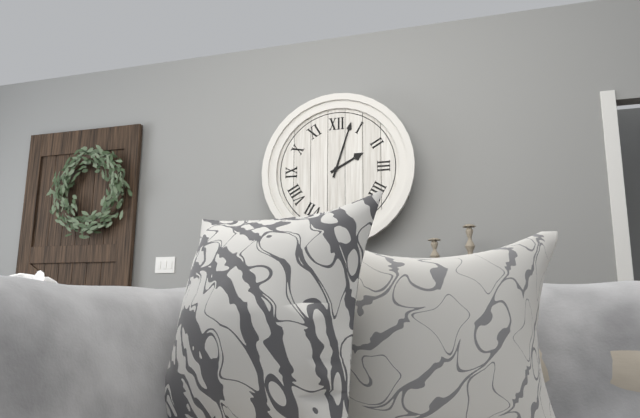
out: 2:03
